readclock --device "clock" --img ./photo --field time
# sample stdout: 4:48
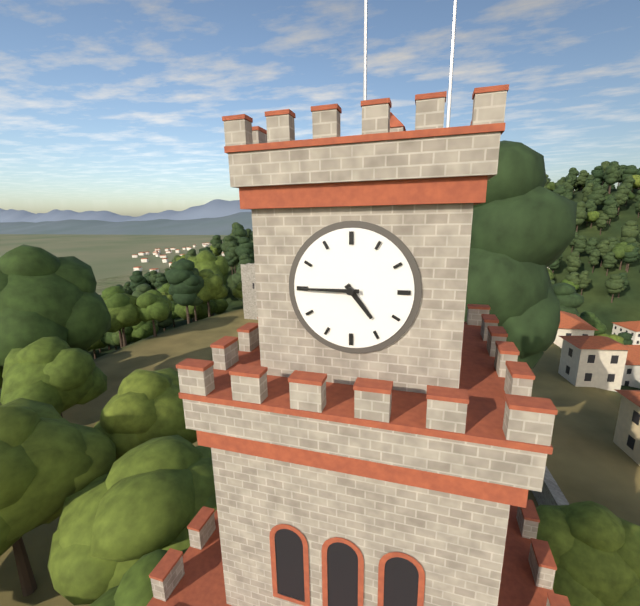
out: 4:45
